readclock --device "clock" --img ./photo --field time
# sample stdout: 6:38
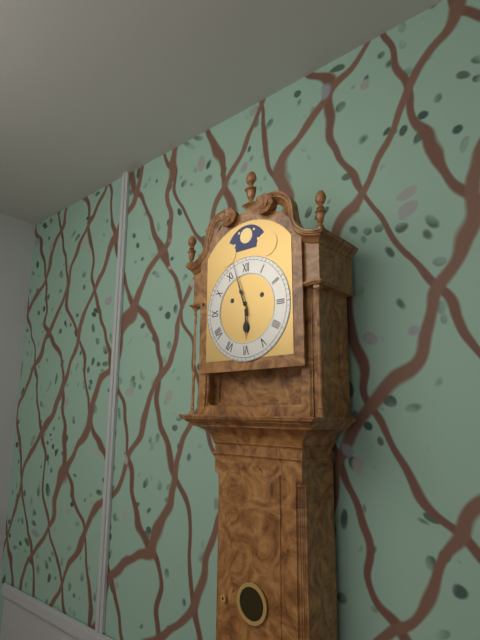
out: 5:57
